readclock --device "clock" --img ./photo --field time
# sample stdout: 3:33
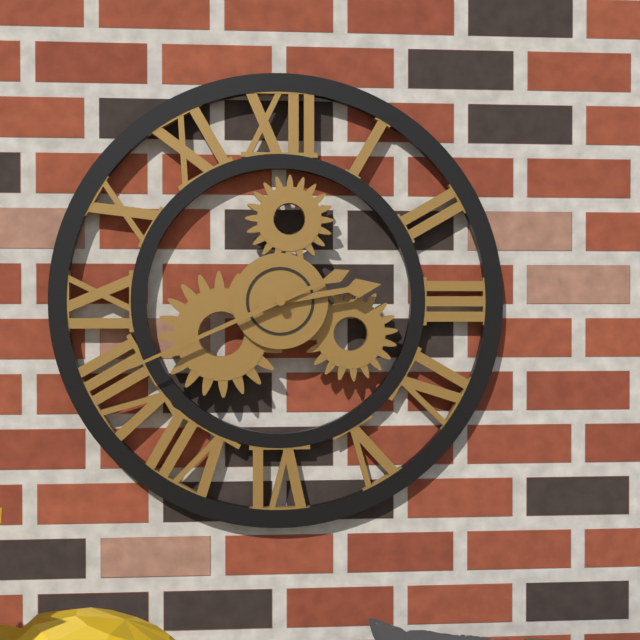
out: 2:41
